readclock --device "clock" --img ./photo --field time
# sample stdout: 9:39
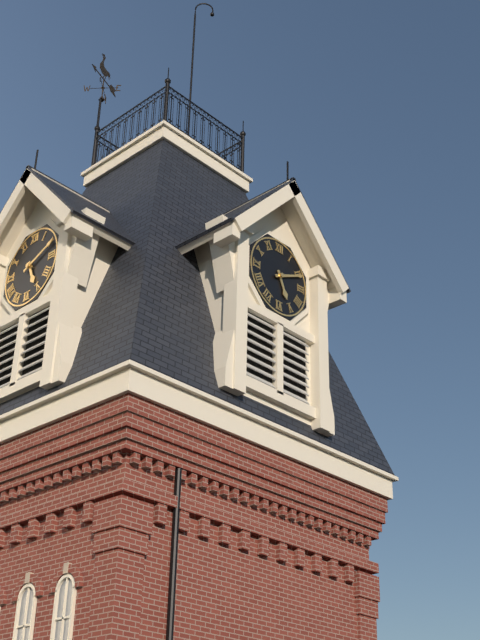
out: 5:11
